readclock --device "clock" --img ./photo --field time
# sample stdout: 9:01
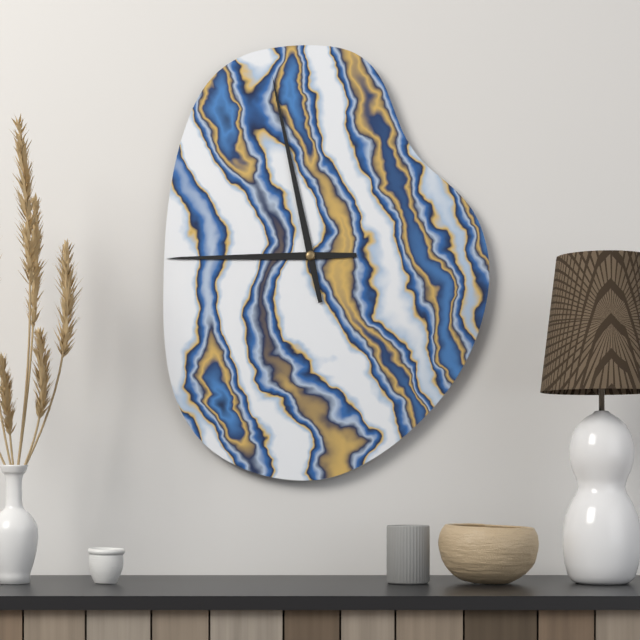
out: 8:58
